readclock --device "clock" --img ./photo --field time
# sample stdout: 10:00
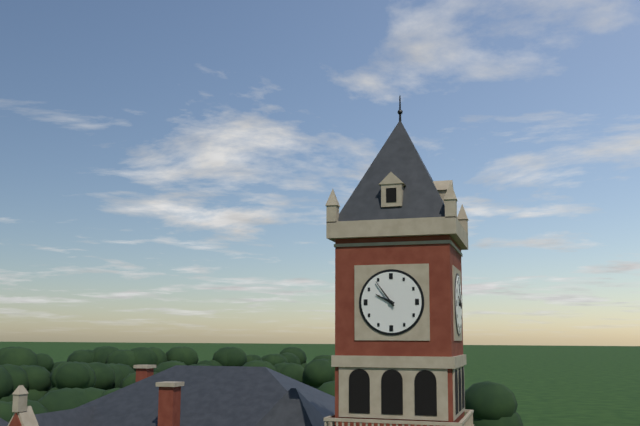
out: 9:54
